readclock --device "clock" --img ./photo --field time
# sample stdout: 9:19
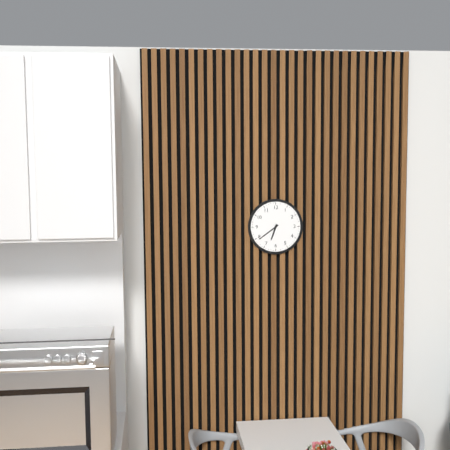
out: 6:39
